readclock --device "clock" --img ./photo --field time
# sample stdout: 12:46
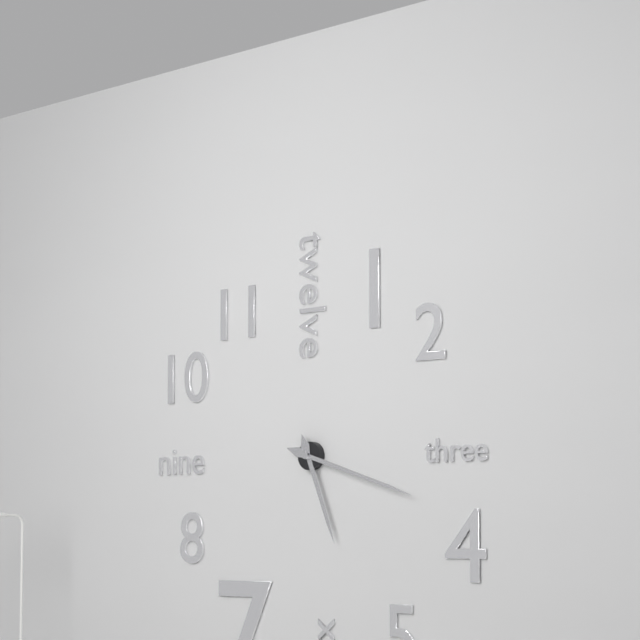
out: 5:18
